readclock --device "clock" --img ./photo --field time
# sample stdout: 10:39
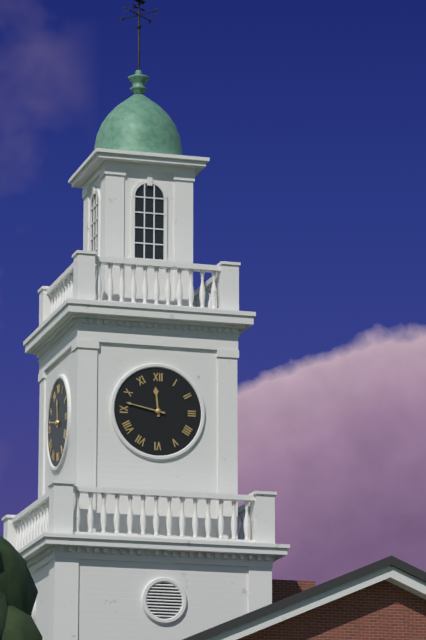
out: 11:47
